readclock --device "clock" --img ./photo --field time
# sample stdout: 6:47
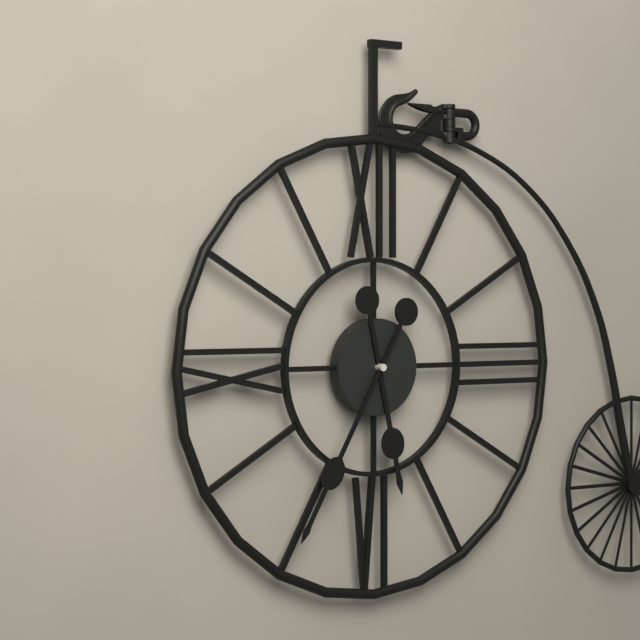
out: 5:35
